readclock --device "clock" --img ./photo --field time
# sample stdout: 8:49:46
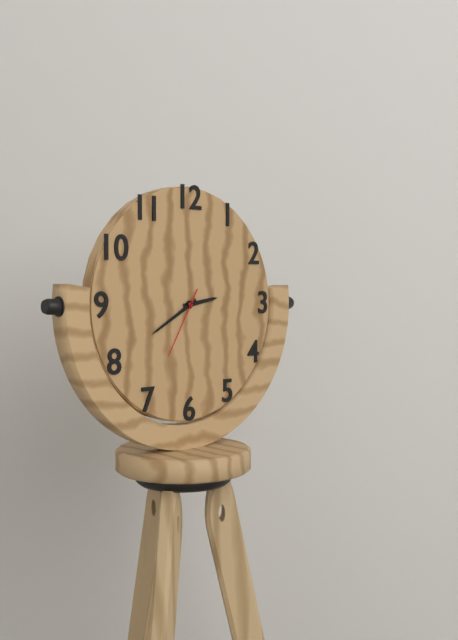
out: 2:40:35
